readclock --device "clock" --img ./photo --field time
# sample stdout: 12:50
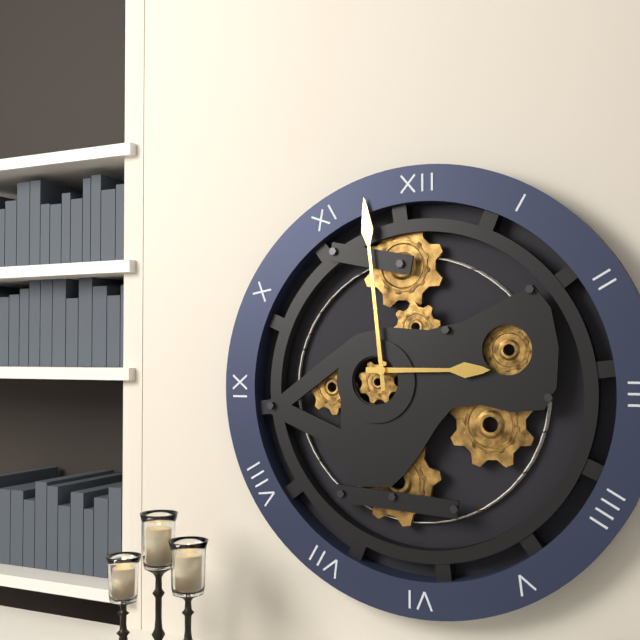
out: 2:59
